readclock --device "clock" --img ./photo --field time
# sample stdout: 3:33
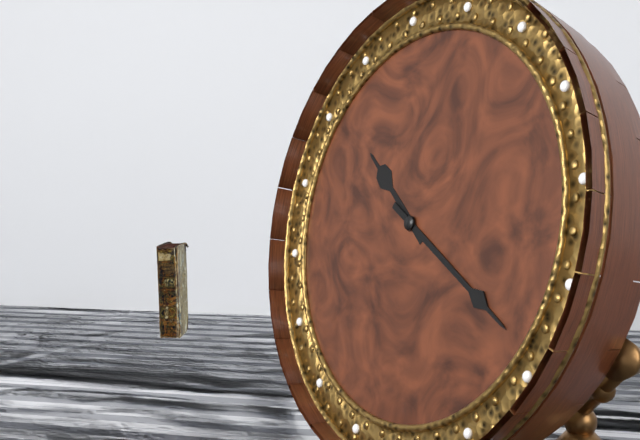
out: 10:20
